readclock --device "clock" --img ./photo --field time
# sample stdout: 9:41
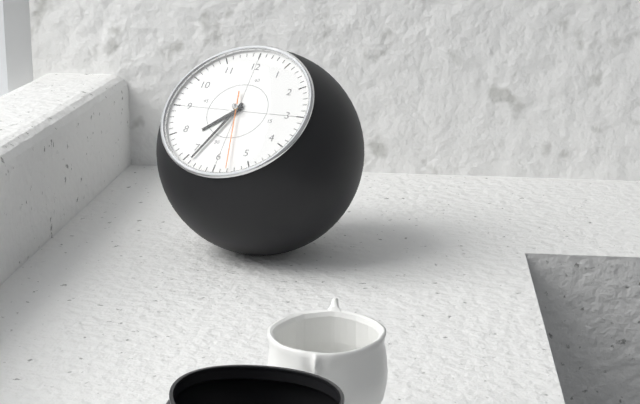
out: 7:34
